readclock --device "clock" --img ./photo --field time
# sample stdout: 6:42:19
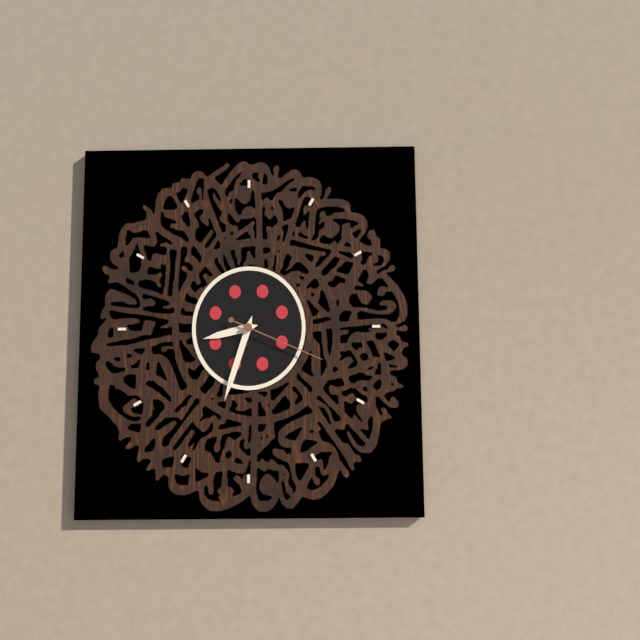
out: 8:33:19
